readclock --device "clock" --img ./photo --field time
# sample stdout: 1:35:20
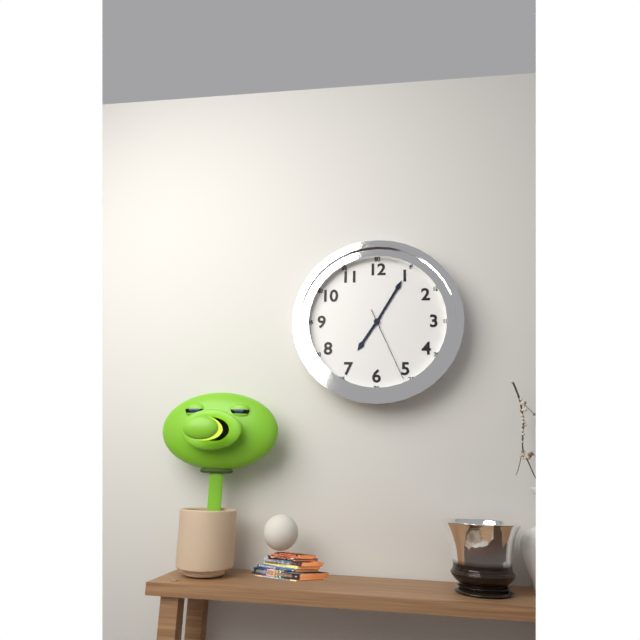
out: 7:05:26
